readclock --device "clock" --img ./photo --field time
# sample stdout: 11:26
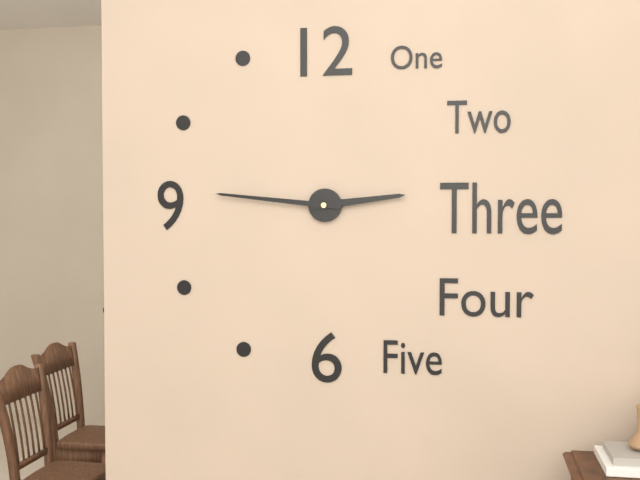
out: 2:46
